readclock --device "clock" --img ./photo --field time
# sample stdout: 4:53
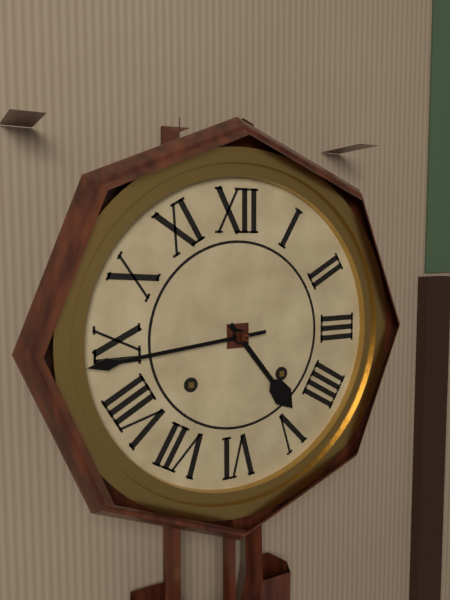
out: 4:44
